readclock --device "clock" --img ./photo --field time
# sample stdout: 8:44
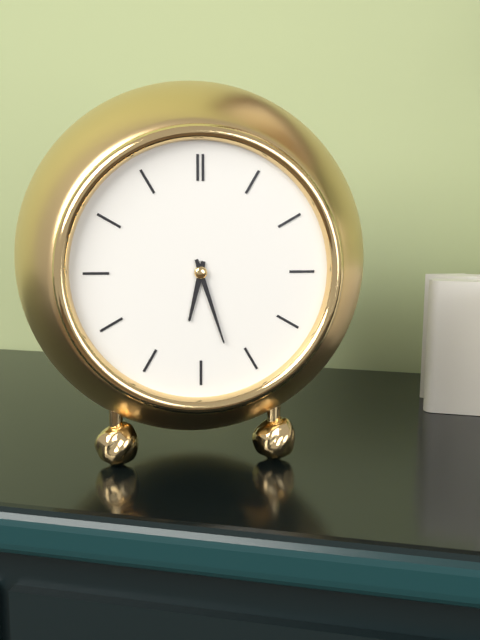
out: 6:27
